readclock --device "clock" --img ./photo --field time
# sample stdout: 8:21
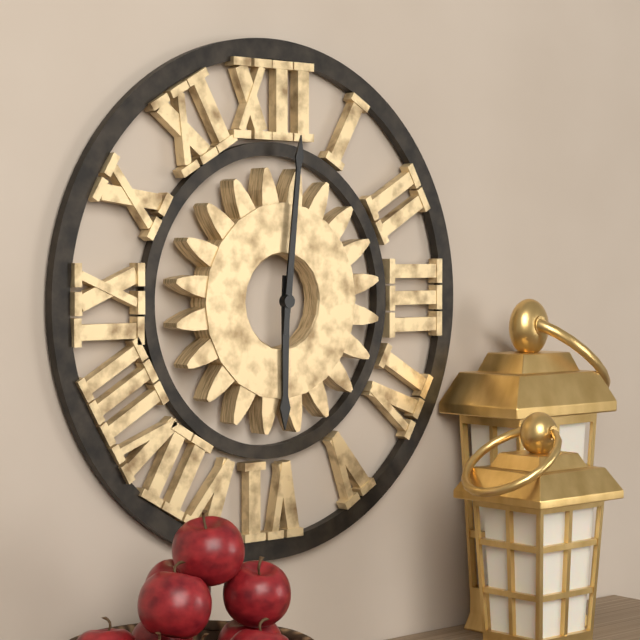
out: 6:01
